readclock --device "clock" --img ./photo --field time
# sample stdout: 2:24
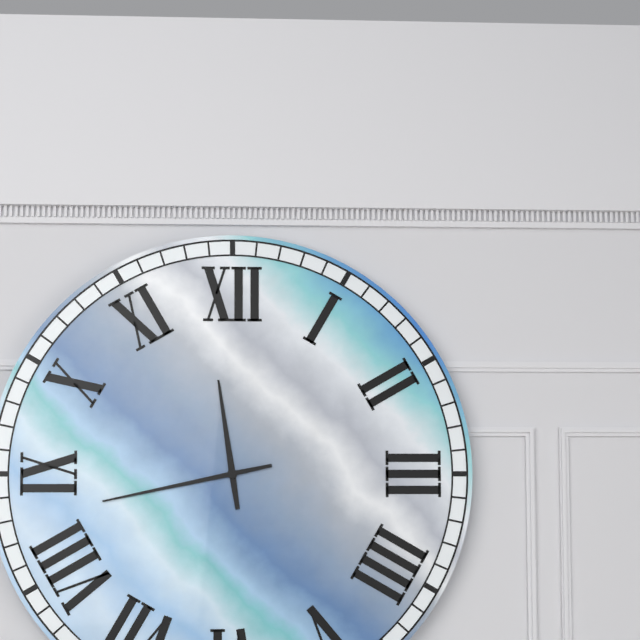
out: 11:43
